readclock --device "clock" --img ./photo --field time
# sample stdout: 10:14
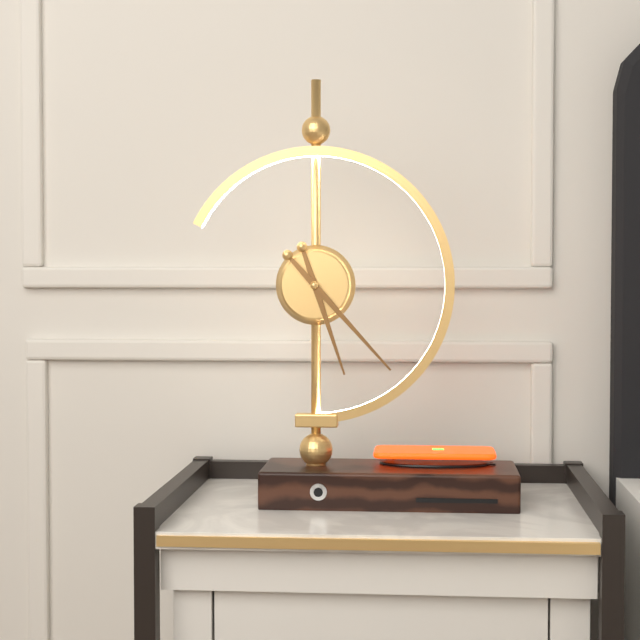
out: 5:23
